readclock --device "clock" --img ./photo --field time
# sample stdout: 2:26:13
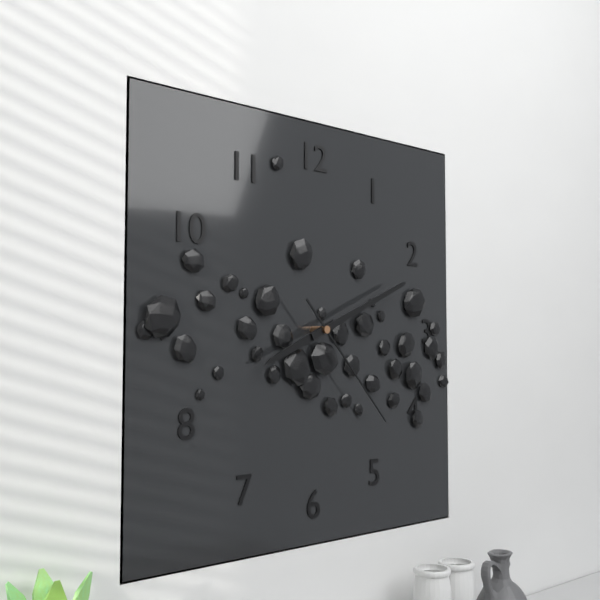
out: 8:11:23
